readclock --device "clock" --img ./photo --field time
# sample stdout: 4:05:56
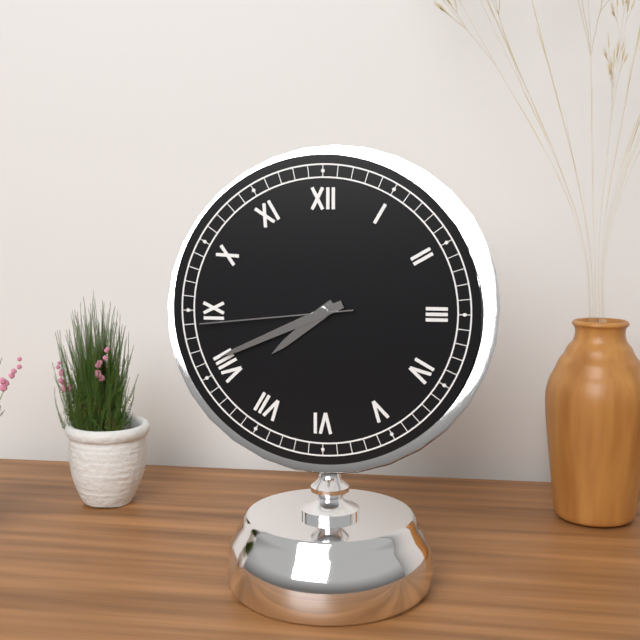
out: 7:41:44
